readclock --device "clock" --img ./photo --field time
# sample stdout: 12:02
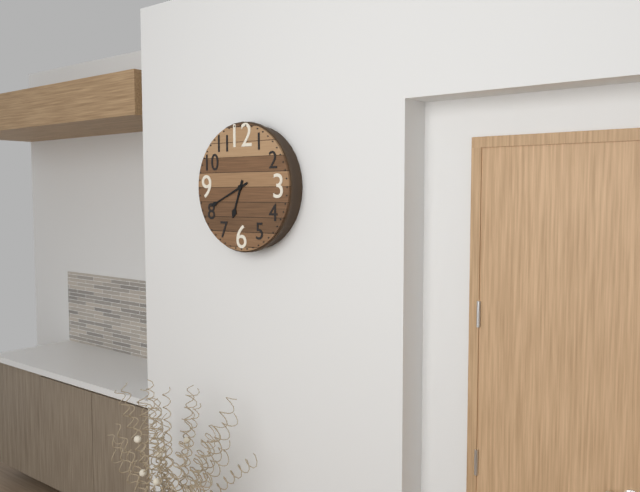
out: 6:41
